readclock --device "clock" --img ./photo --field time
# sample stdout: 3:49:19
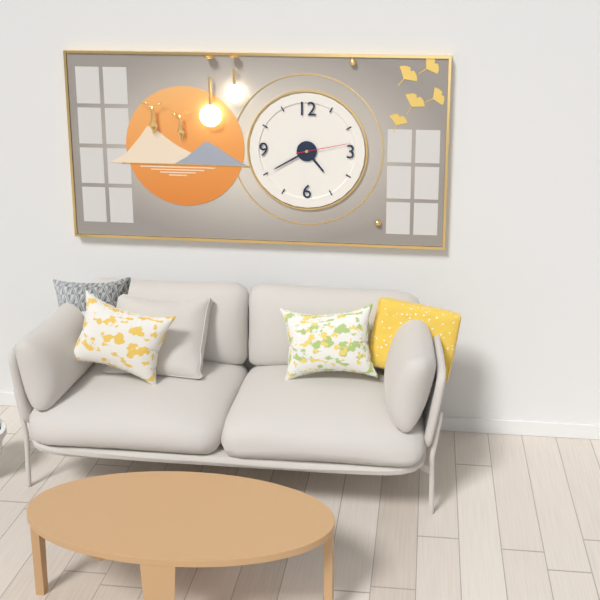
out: 4:40:13
